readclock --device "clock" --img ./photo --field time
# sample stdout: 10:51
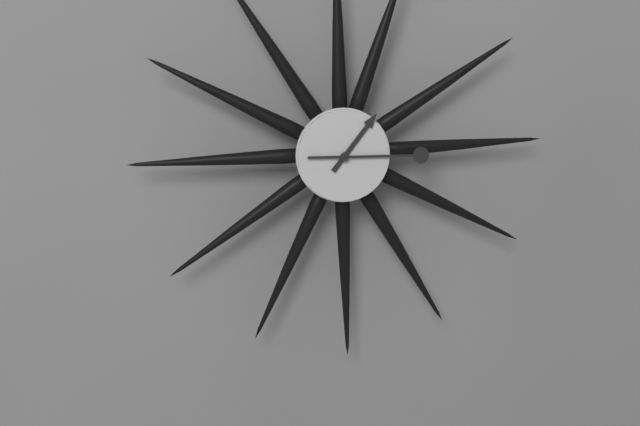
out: 1:15
